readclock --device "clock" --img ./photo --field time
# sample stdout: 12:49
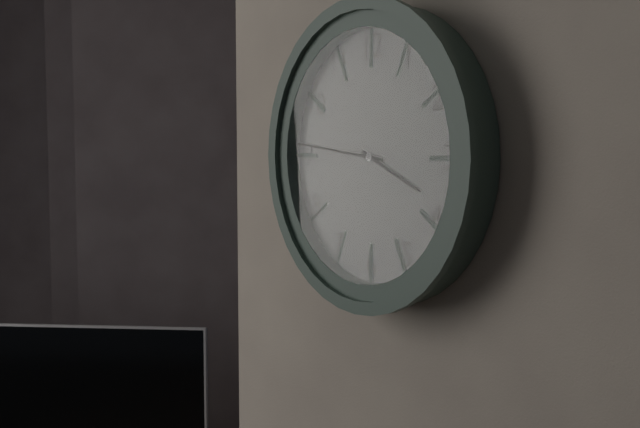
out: 3:46
